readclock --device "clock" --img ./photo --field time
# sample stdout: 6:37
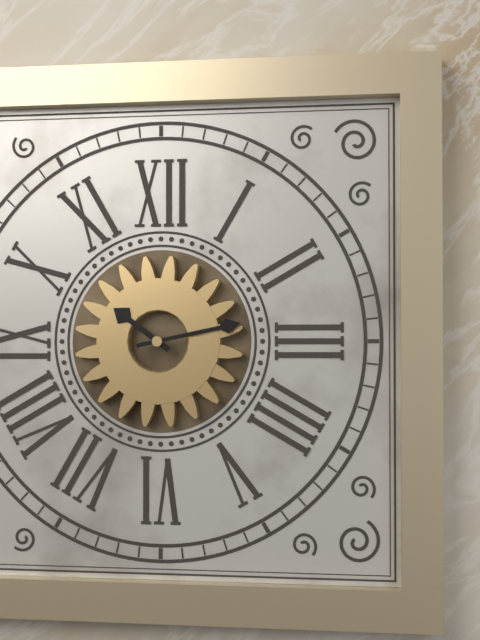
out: 10:13
